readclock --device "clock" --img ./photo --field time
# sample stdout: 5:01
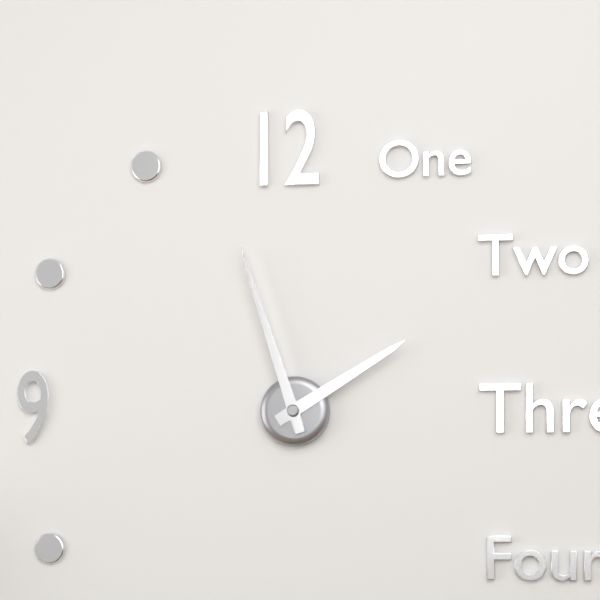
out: 1:57
